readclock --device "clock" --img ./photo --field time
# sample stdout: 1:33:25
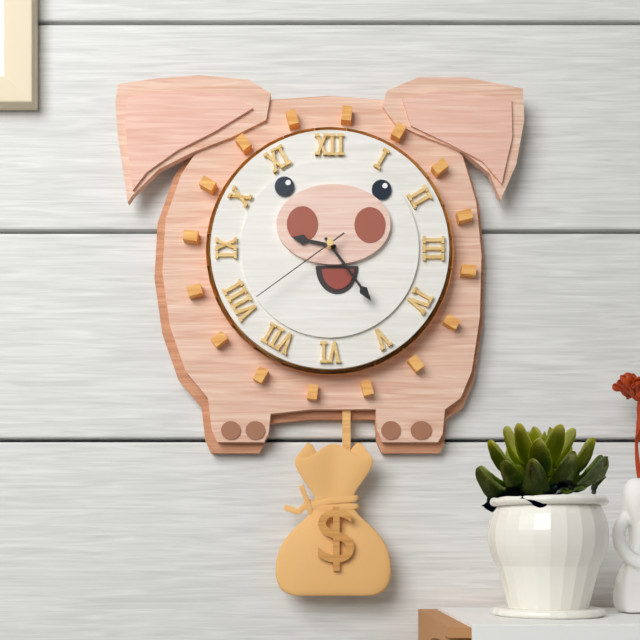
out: 9:24:39
